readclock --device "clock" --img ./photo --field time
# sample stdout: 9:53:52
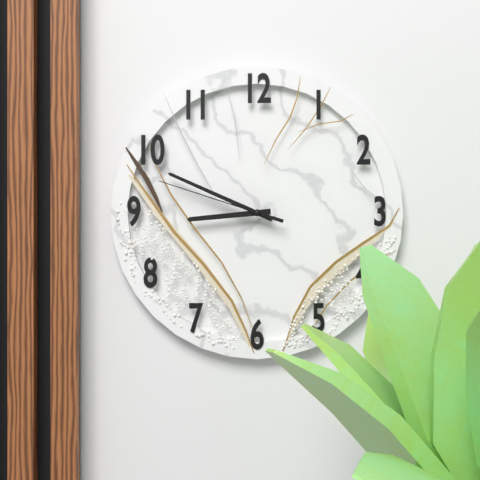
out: 8:49:48
